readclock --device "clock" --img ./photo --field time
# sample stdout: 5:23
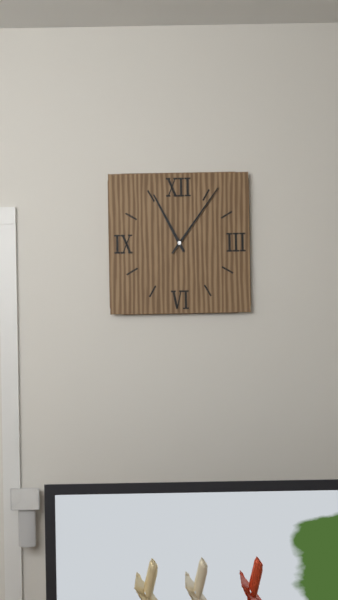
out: 11:06
